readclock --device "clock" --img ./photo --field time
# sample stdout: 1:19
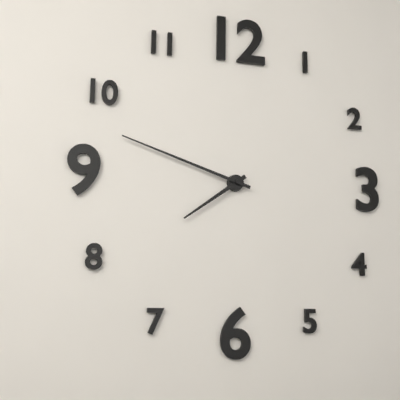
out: 7:48
